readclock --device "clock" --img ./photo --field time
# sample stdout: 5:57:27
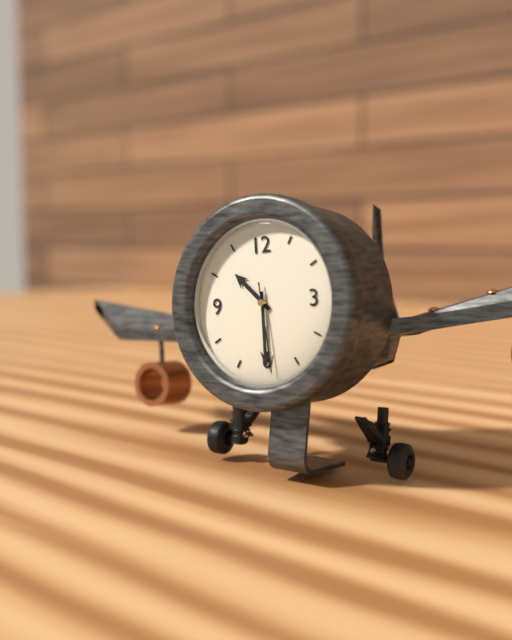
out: 10:30:29
